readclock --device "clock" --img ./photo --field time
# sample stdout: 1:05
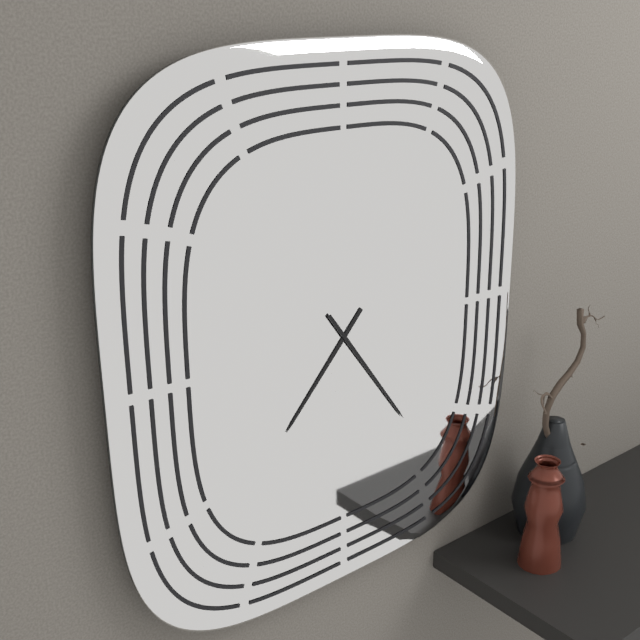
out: 7:24
